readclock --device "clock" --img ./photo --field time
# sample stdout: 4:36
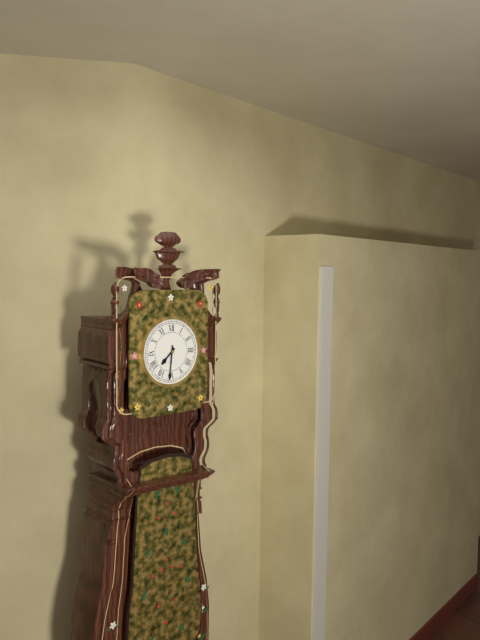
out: 7:31
